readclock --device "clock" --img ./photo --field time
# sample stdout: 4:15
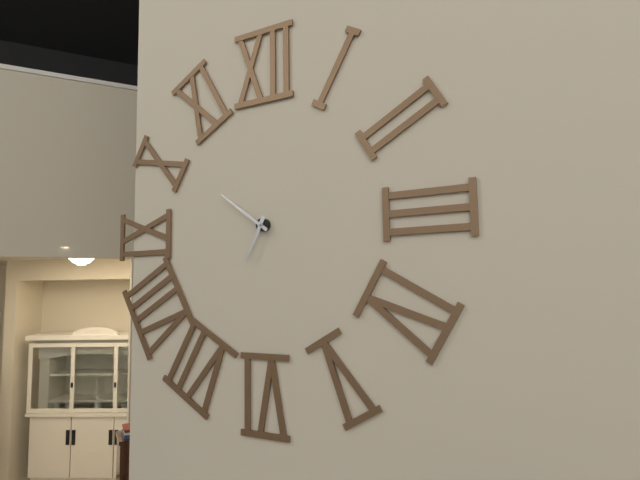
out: 6:51
